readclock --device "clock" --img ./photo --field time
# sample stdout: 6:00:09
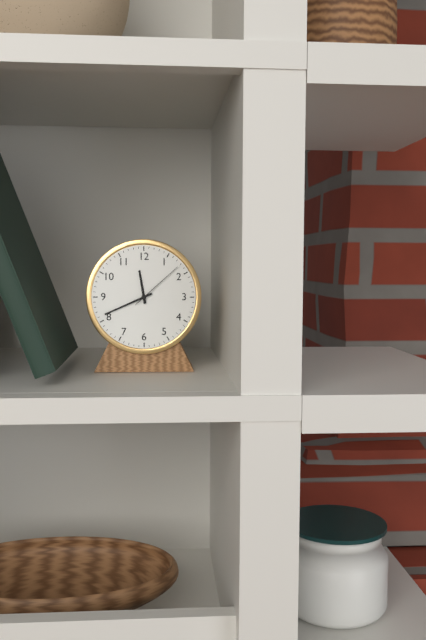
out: 11:41:08
